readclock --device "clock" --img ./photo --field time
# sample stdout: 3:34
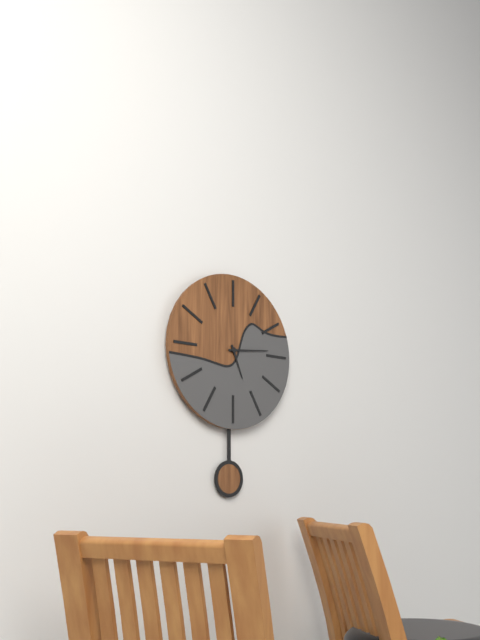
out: 5:14
